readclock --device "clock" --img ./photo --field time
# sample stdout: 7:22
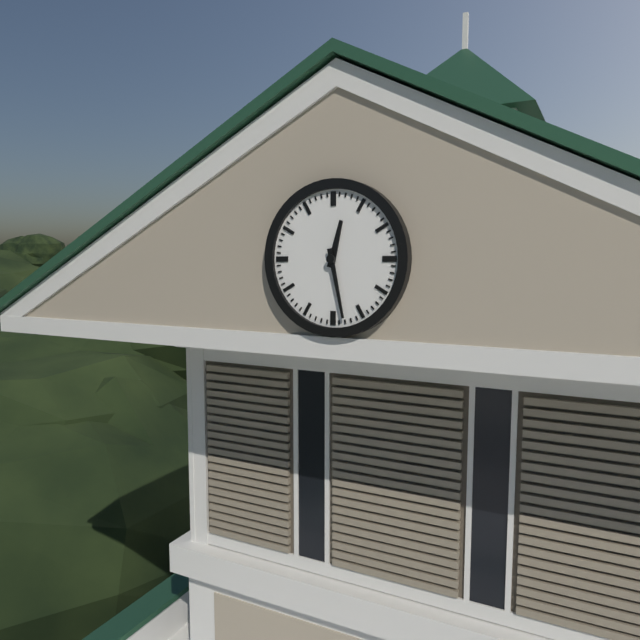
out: 12:28
